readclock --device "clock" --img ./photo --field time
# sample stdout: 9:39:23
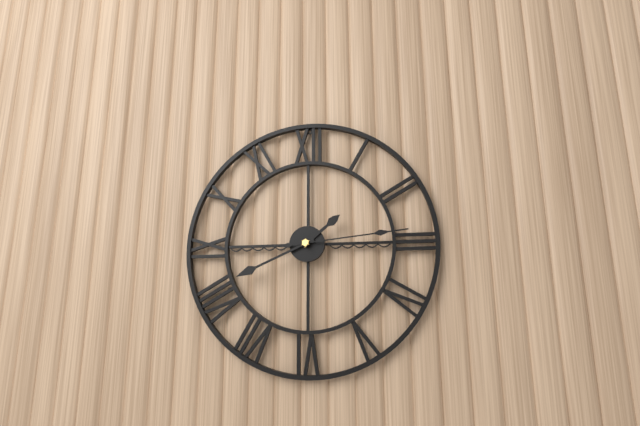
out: 1:41:14
